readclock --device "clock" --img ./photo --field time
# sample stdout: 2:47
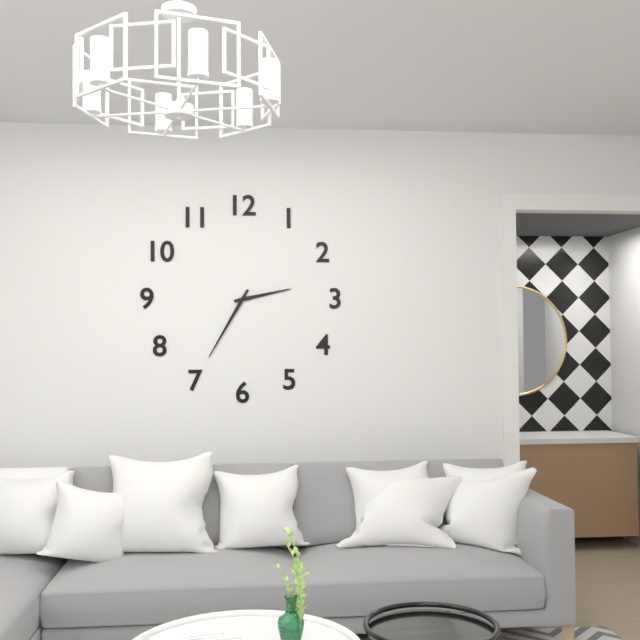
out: 2:35
